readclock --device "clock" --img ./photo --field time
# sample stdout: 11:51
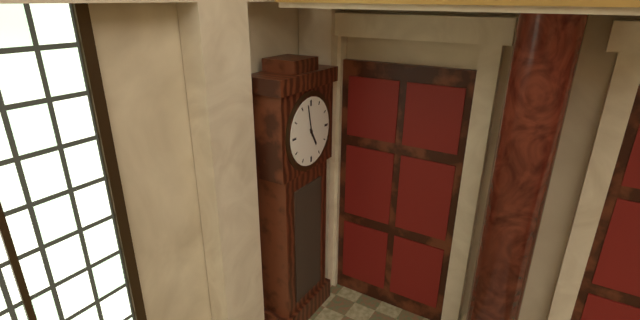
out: 4:58
